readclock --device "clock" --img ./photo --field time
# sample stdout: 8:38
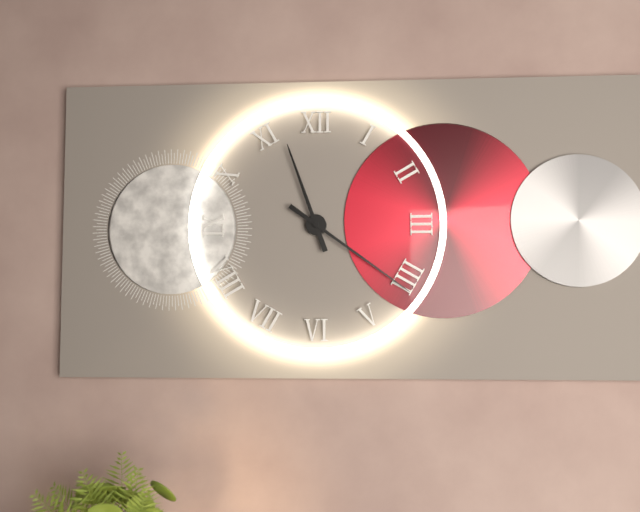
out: 11:21
